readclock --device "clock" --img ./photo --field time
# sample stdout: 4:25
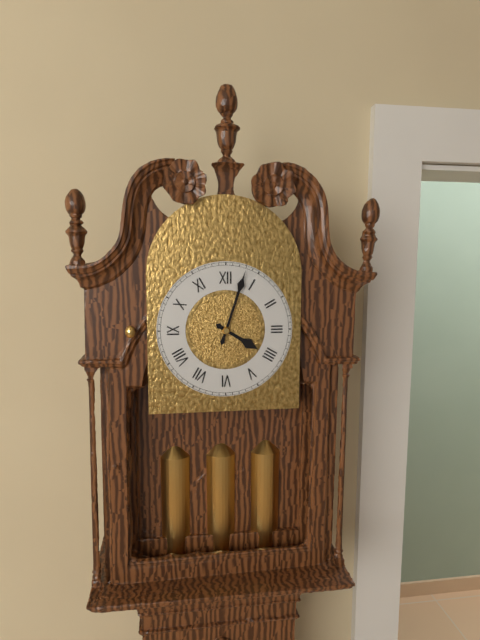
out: 4:03
